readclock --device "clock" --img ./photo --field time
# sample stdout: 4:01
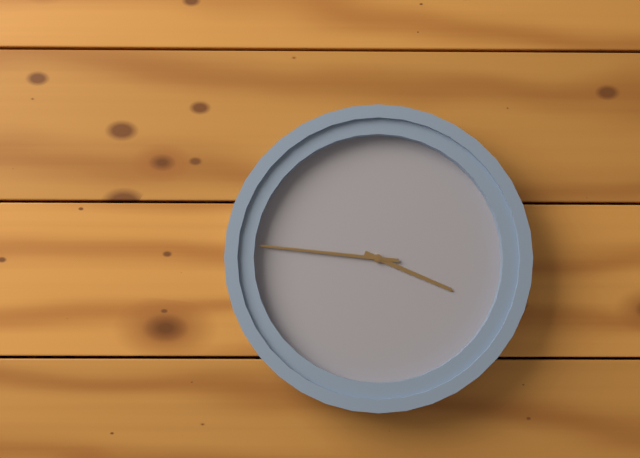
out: 3:46
